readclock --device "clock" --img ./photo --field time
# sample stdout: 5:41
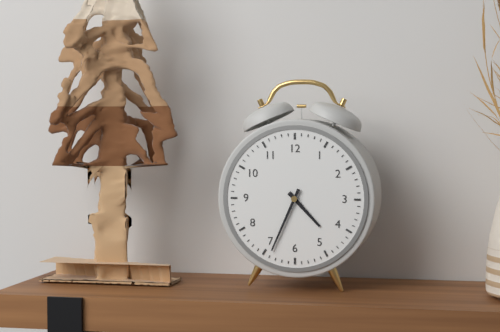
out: 4:34
